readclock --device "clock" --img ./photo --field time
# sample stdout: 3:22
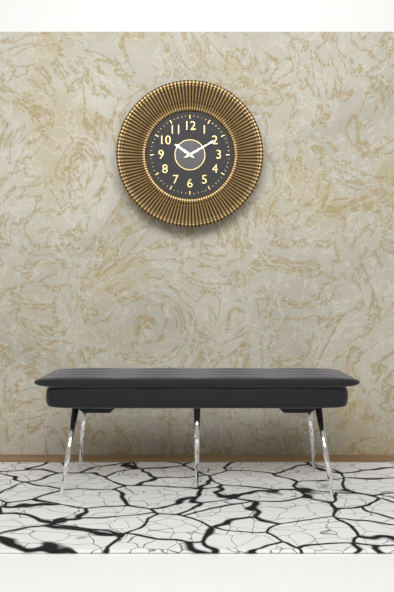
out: 10:10
